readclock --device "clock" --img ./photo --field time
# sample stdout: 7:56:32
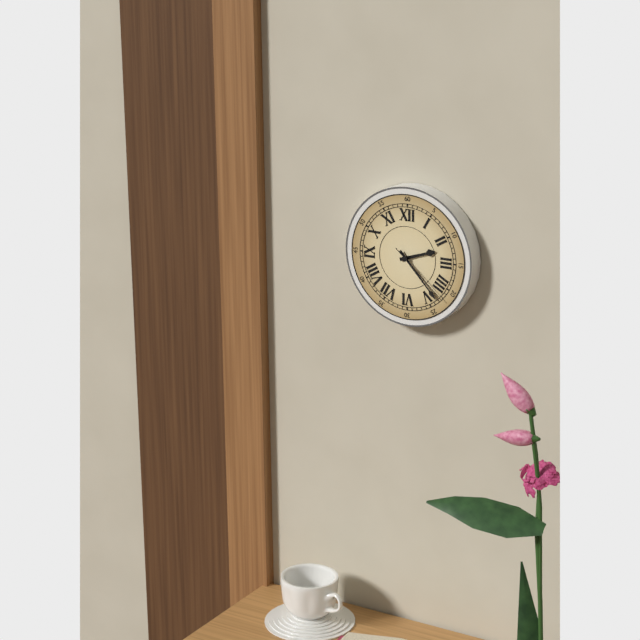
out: 2:23:22
